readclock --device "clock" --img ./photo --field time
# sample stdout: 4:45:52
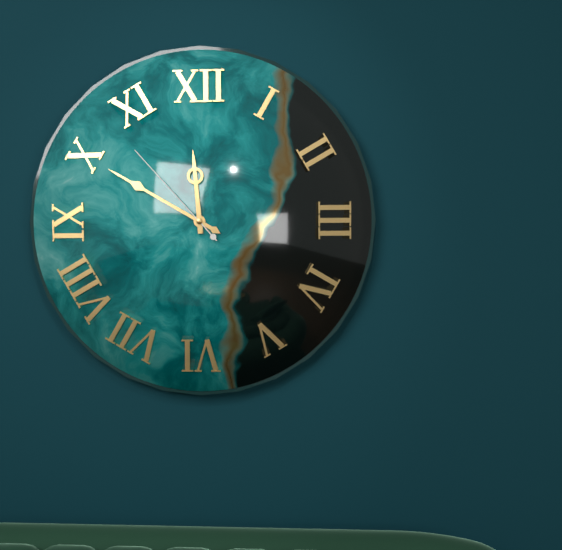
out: 11:50:53
